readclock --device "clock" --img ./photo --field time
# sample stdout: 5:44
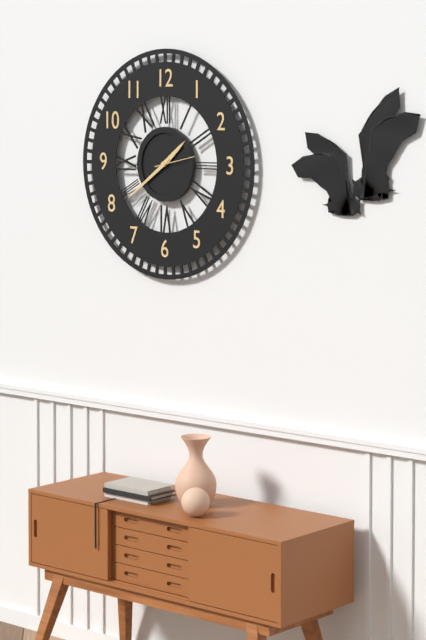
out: 1:39
